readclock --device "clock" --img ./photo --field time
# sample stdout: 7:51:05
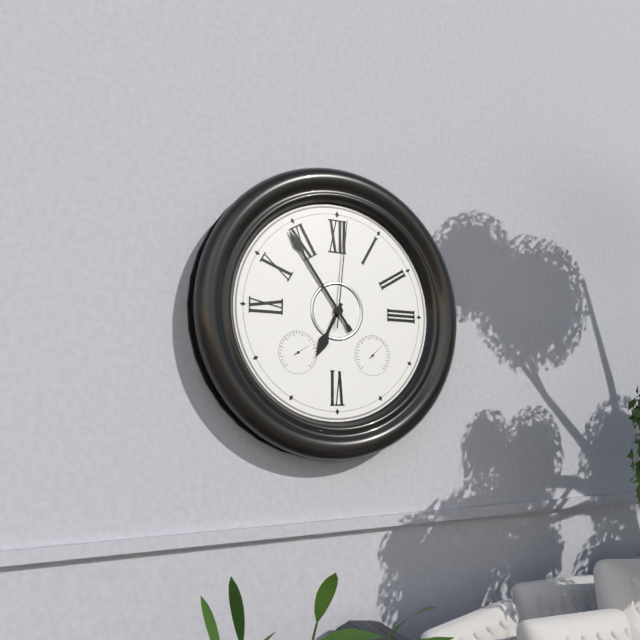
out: 6:54:01
